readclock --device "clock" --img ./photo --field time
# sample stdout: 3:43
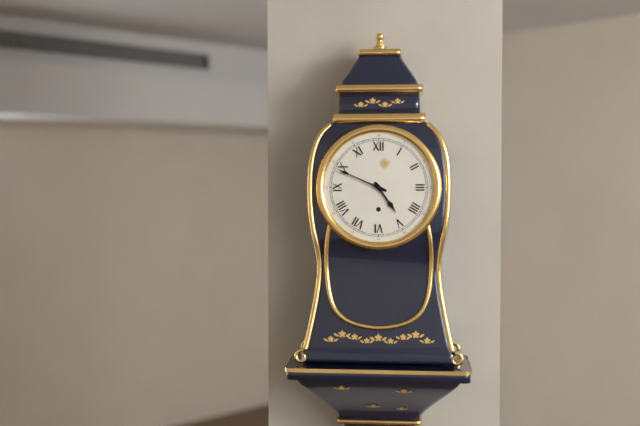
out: 4:49
